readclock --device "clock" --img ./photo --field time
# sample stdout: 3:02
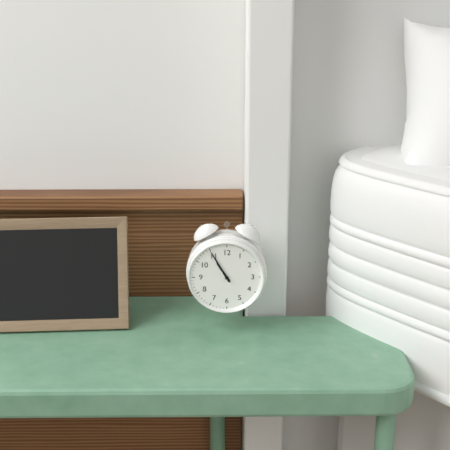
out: 10:55
